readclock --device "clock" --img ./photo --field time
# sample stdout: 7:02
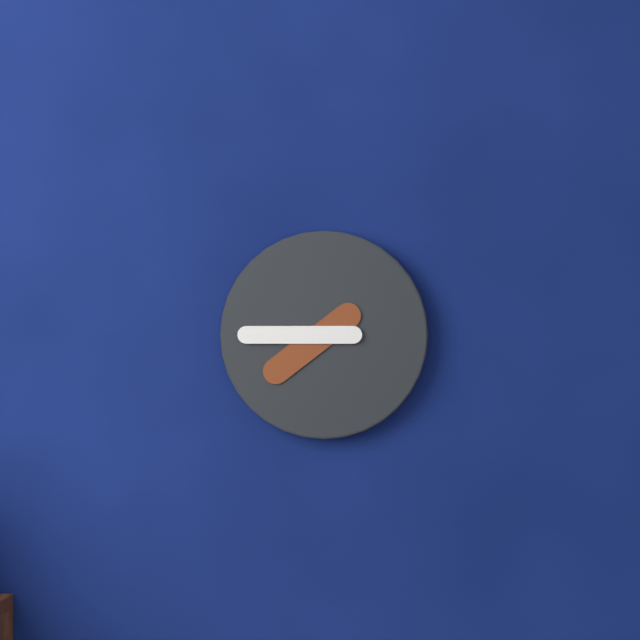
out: 7:45
